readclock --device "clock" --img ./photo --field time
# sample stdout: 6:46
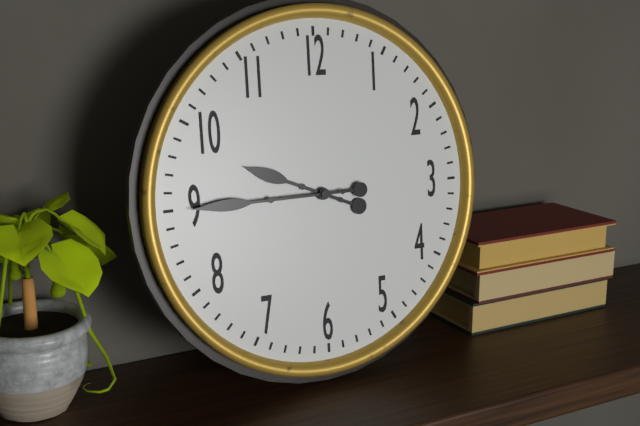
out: 9:45
